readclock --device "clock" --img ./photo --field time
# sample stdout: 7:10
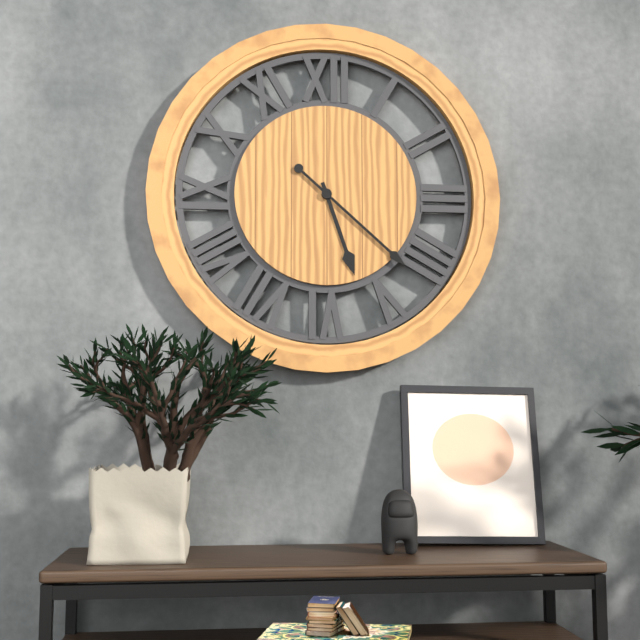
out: 5:22
